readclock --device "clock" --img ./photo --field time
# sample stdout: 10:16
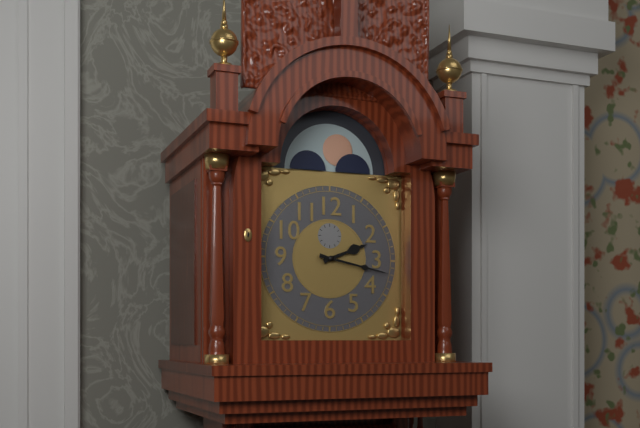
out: 2:17
